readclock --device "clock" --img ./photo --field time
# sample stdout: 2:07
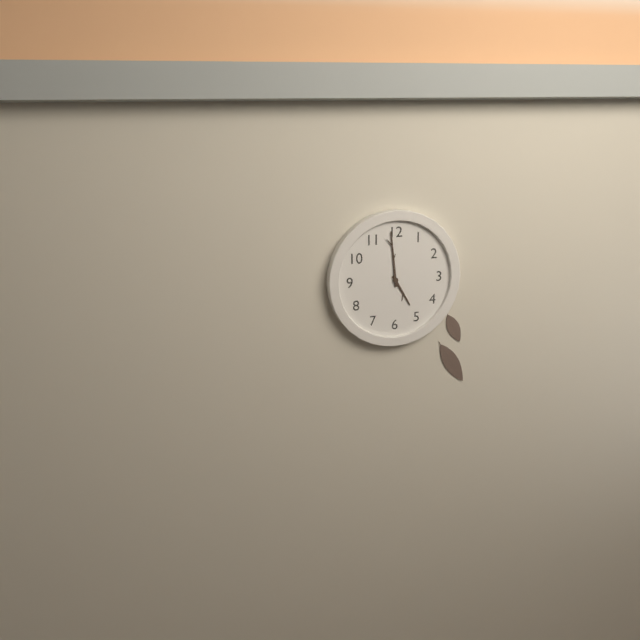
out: 4:59
